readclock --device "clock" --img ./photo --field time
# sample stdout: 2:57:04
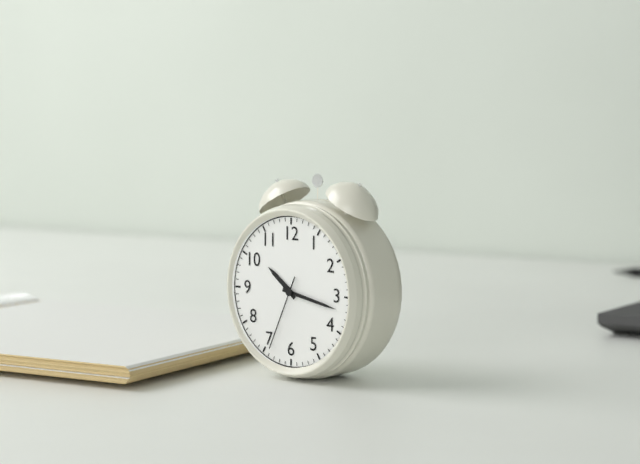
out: 10:17:34
